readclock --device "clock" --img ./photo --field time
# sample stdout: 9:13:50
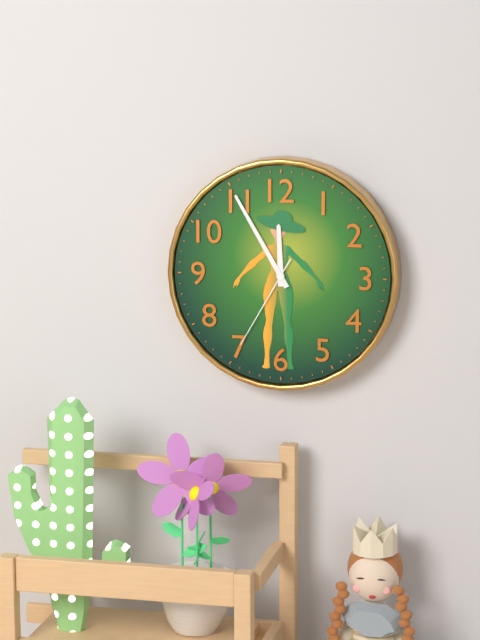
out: 11:55:35
